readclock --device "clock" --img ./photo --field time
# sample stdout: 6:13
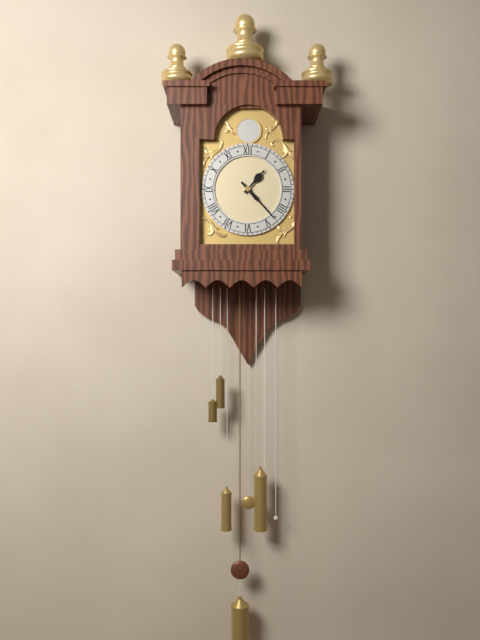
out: 1:23
